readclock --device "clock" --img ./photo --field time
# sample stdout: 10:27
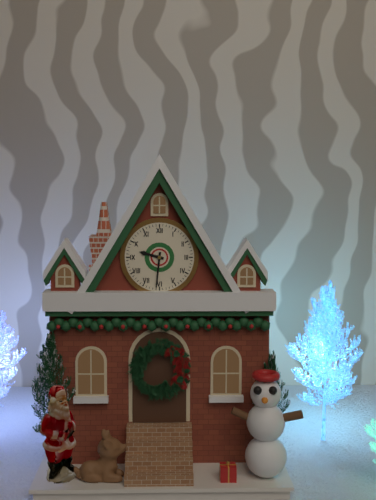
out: 9:31
